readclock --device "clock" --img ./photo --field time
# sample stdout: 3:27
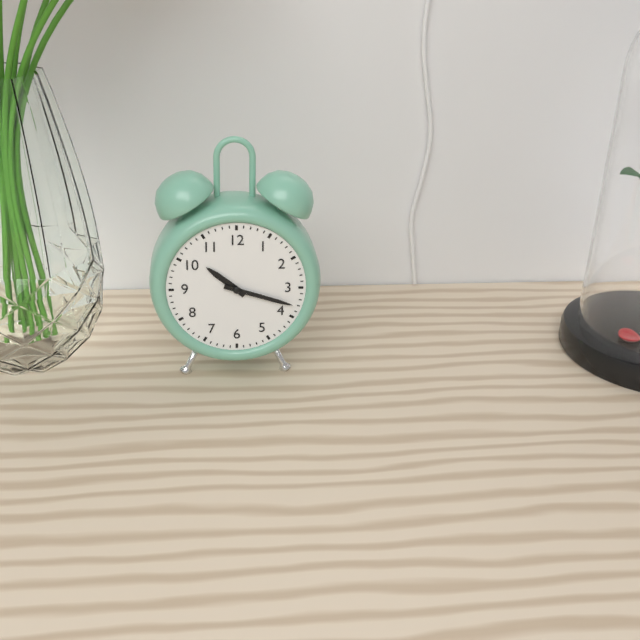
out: 10:18
